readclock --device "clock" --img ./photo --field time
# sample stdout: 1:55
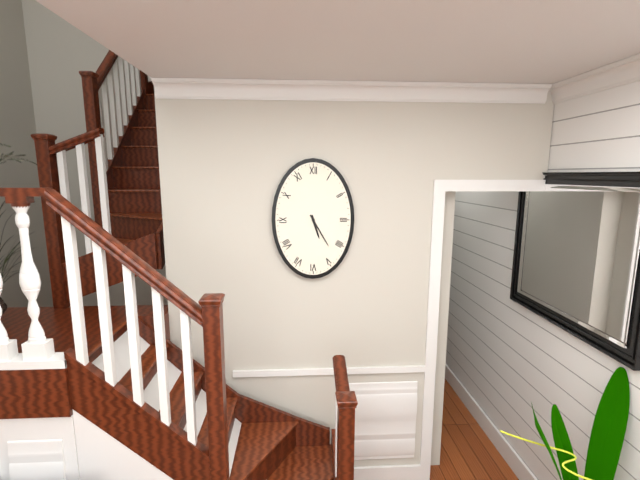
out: 5:25
